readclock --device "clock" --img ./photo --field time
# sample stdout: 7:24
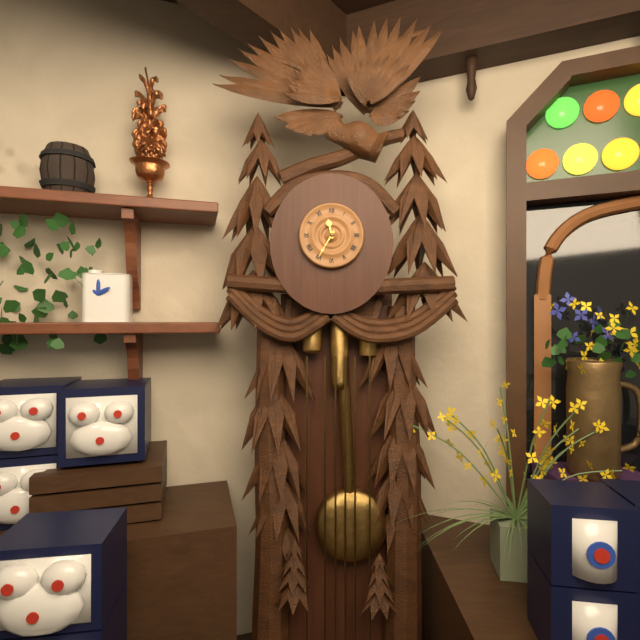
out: 11:35
